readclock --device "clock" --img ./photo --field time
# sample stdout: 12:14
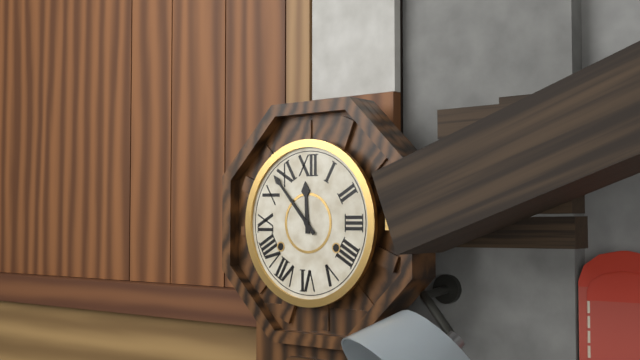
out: 11:53
